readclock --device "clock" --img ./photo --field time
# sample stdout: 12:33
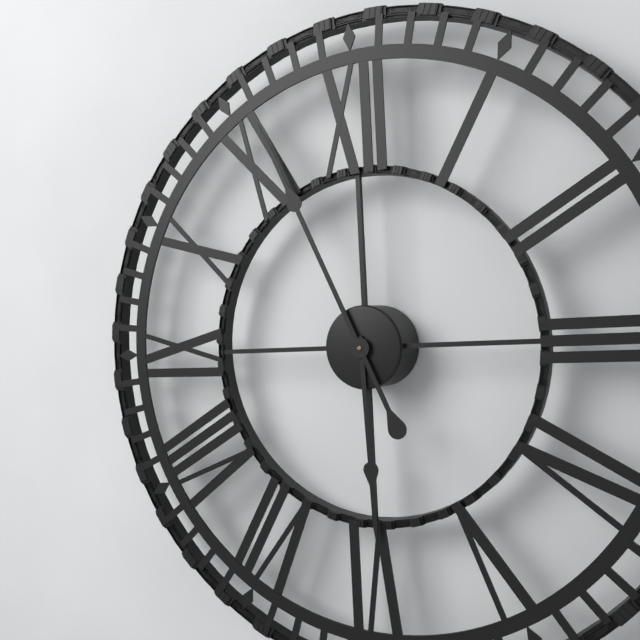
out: 5:56
